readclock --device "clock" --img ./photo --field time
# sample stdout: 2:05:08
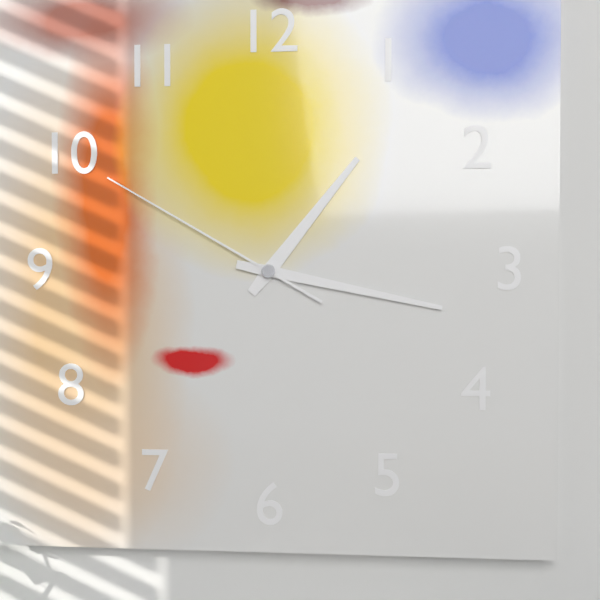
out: 1:17:50
